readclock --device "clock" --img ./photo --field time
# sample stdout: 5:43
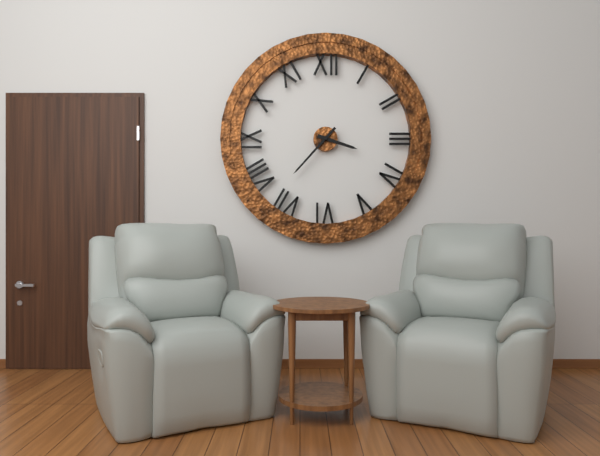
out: 3:37
